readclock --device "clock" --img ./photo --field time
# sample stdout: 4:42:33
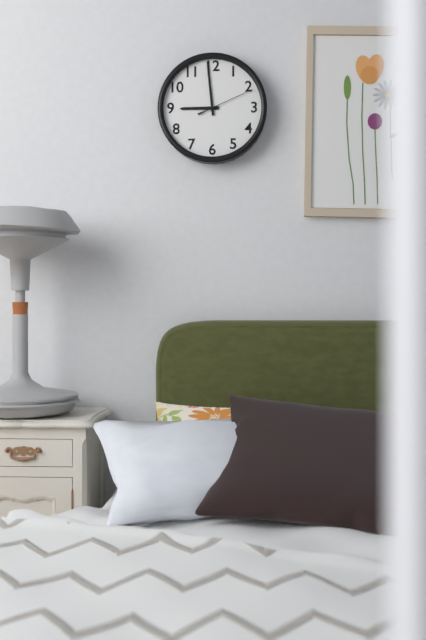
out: 8:59:11
